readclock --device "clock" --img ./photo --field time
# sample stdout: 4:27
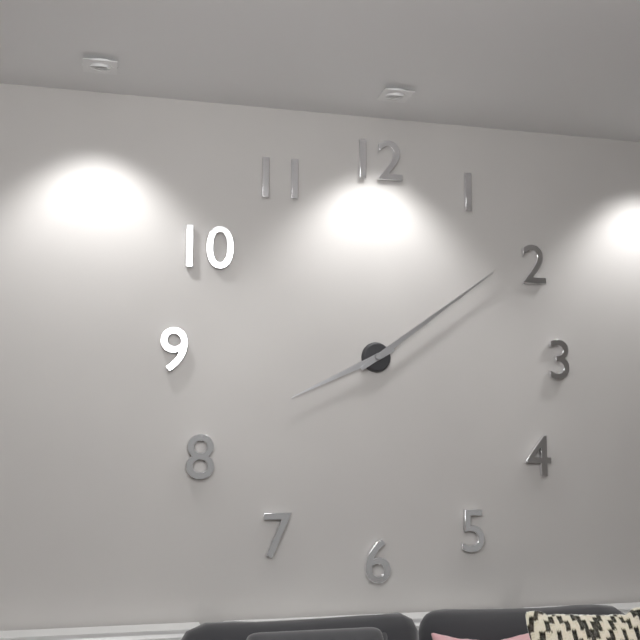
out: 8:09
